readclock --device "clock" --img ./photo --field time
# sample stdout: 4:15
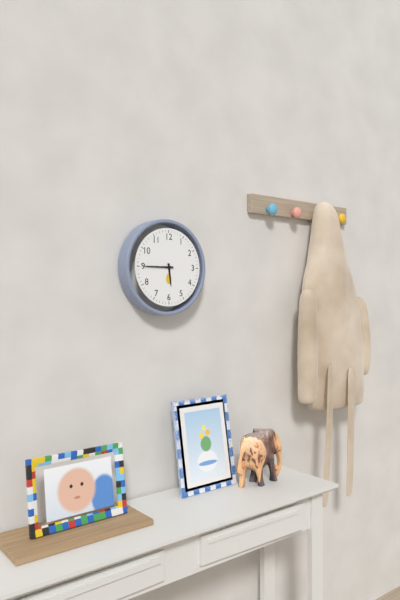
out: 5:45
